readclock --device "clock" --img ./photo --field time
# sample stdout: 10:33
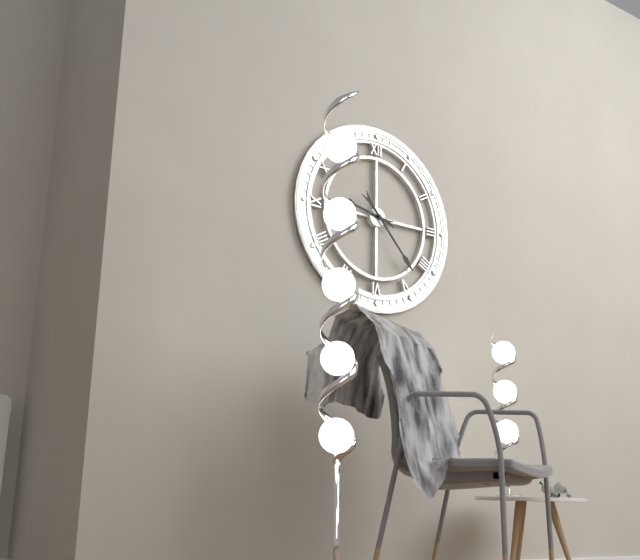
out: 9:23
